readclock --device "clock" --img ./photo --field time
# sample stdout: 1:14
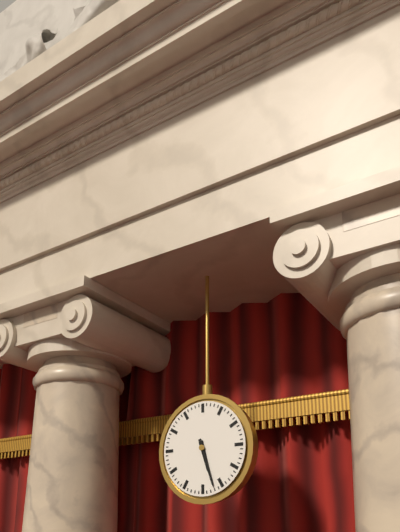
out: 5:27
